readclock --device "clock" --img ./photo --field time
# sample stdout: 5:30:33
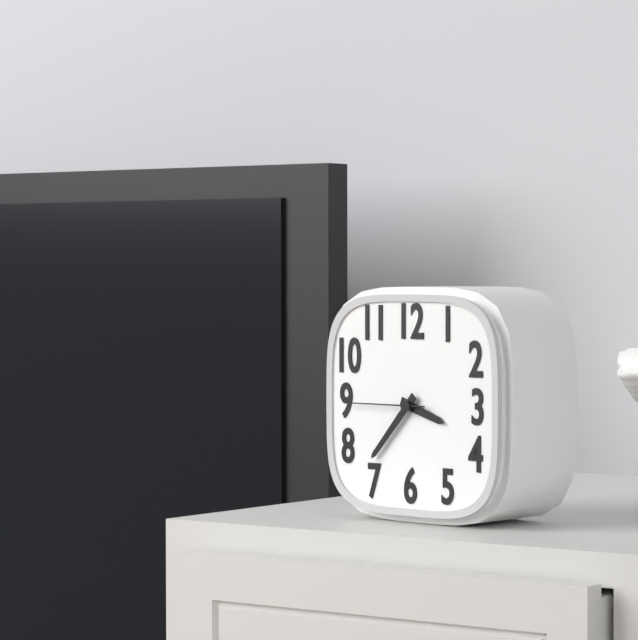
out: 3:37:45
